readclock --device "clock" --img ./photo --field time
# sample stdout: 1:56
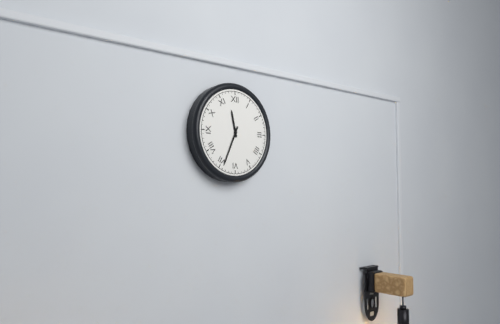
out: 11:34
